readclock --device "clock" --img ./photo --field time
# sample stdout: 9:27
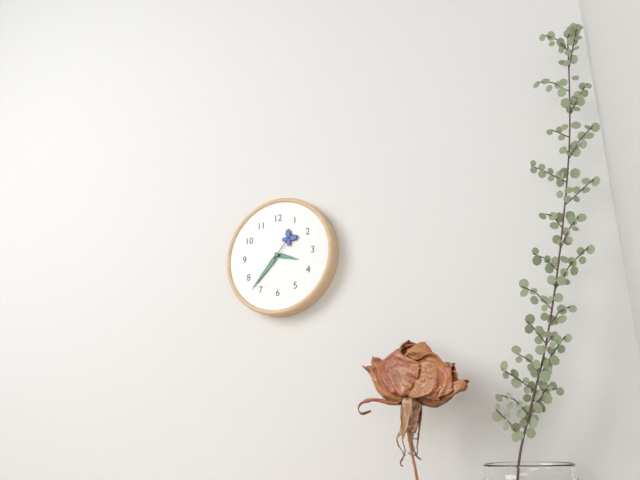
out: 3:37
